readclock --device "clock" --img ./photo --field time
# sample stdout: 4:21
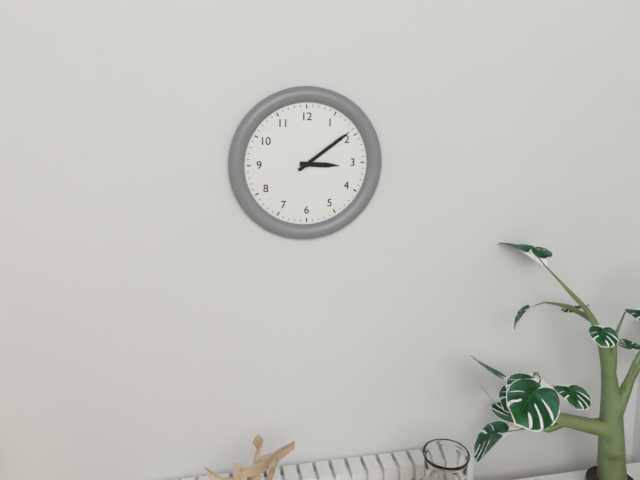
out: 3:09
